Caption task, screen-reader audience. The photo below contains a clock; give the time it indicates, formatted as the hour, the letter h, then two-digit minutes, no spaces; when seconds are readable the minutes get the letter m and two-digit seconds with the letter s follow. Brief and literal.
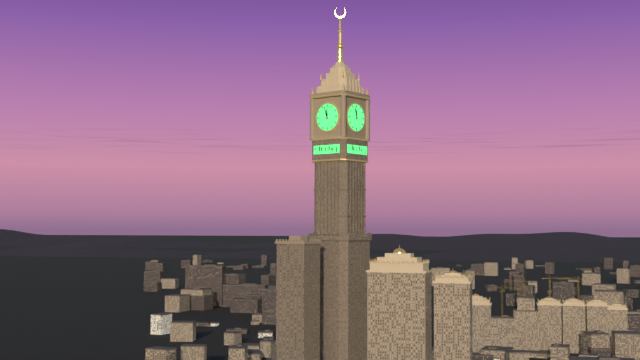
11h57
